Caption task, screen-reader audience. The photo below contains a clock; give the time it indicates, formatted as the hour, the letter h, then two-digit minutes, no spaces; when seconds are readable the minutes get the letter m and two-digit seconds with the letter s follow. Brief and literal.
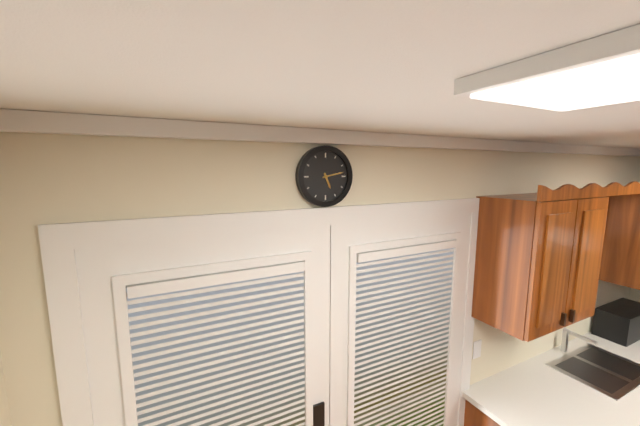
5h13
